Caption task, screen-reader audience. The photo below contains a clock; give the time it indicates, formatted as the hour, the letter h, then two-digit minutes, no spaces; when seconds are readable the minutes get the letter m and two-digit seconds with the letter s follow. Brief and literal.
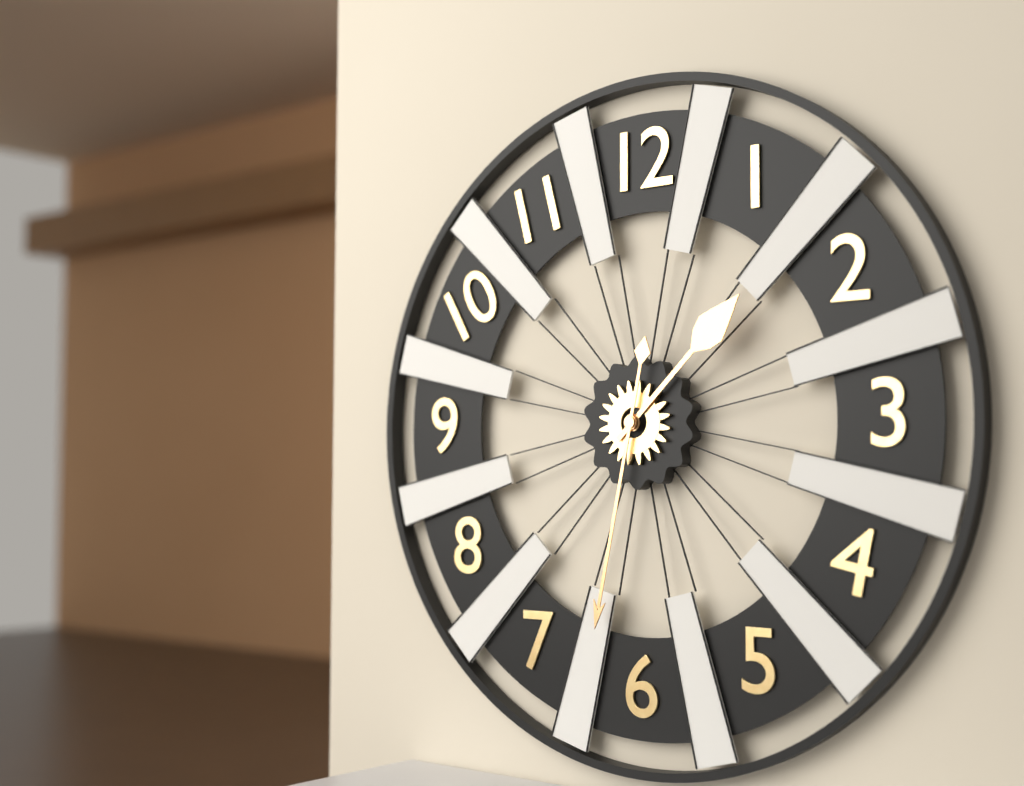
1h32
